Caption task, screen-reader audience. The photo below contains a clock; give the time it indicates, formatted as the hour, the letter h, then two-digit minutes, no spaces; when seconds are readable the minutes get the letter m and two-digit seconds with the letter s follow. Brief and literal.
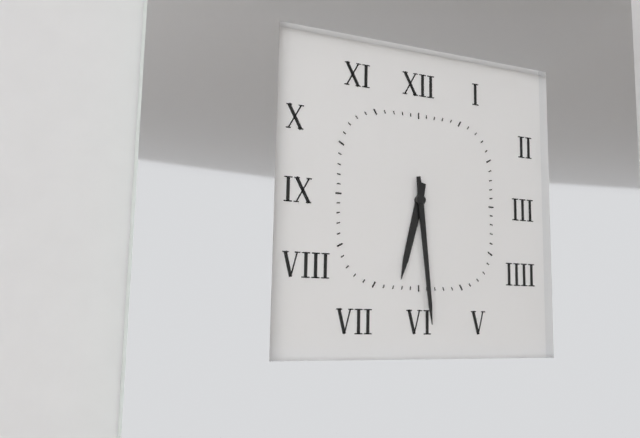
6h29
